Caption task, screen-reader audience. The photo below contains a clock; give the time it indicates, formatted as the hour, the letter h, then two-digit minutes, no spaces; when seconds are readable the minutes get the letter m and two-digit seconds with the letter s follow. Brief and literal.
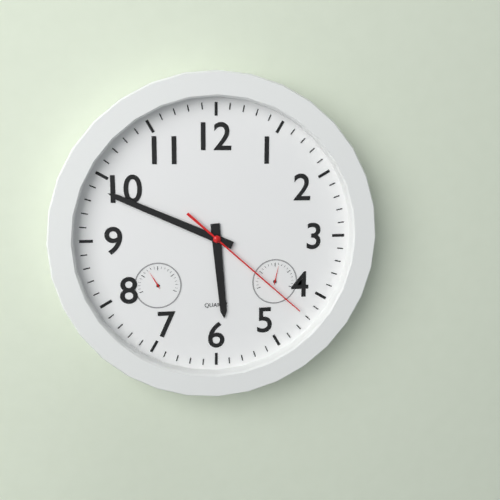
5h49m22s
